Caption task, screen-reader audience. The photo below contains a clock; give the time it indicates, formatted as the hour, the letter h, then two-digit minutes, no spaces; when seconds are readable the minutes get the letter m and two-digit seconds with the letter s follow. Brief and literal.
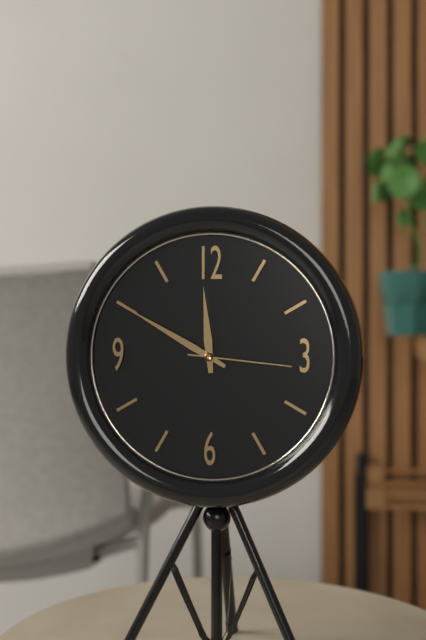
11h50m16s
